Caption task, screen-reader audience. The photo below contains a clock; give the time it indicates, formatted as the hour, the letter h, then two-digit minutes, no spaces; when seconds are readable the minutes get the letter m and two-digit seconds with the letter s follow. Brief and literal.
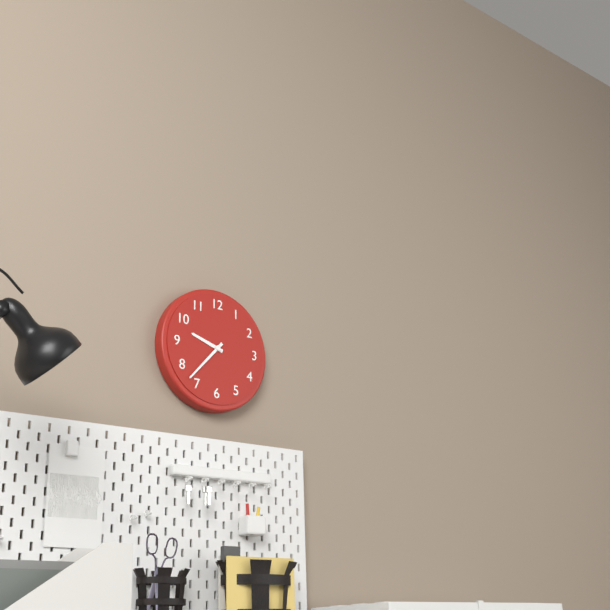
9h37
